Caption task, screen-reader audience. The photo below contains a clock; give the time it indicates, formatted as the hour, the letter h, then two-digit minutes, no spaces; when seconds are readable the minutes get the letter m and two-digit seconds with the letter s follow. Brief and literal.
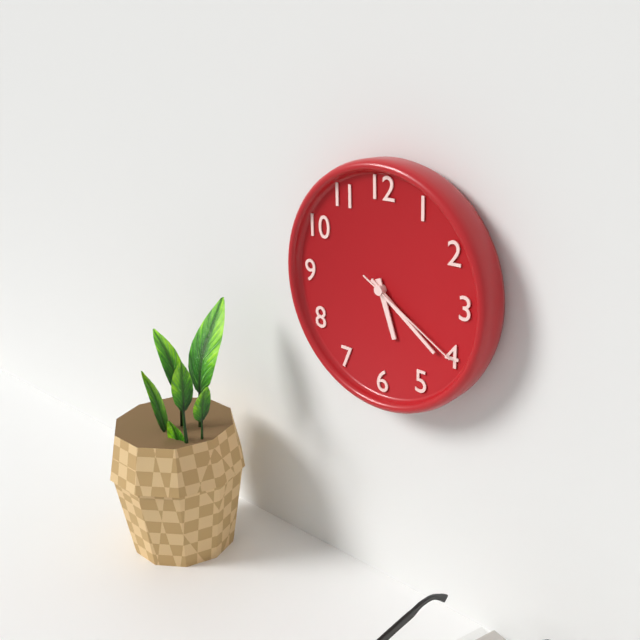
5h21m20s
